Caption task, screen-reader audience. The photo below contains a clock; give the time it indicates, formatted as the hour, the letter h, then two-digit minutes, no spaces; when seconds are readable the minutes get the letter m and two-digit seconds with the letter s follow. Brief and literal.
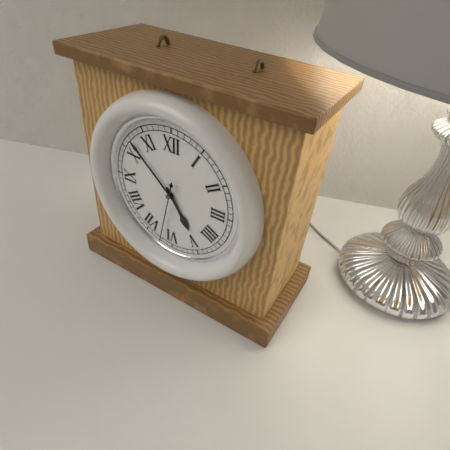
4h52m32s
